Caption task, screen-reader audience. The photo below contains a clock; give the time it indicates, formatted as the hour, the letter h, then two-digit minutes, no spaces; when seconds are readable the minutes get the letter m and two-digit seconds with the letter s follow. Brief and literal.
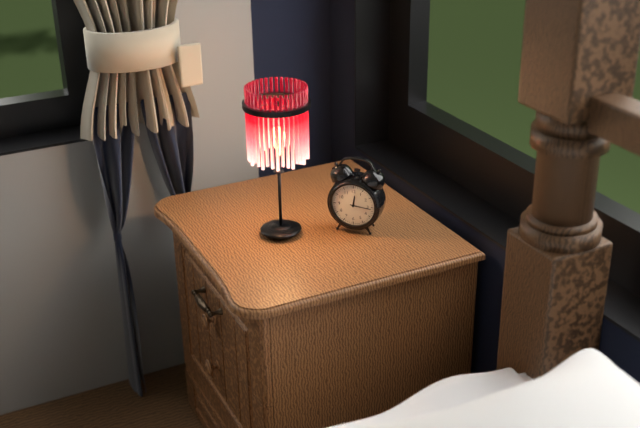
12h16
